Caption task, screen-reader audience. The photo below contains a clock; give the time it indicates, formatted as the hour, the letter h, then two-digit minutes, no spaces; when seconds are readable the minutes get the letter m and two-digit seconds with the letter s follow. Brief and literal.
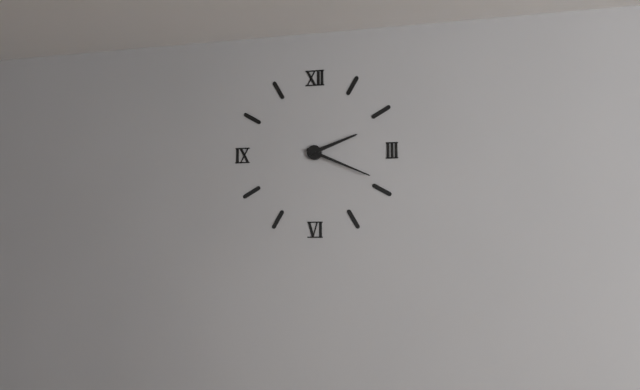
2h19
